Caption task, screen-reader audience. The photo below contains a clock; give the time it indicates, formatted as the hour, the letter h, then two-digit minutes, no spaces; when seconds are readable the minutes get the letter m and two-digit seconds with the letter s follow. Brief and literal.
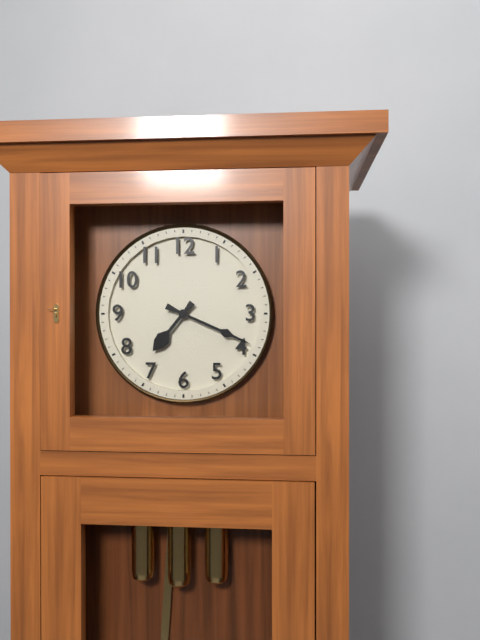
7h19
